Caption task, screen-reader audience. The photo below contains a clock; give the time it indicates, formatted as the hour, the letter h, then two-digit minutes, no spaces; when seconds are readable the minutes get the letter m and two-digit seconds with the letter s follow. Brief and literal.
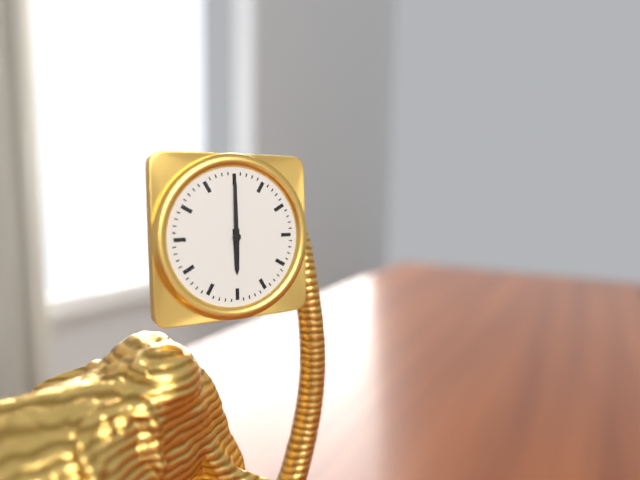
6h00
